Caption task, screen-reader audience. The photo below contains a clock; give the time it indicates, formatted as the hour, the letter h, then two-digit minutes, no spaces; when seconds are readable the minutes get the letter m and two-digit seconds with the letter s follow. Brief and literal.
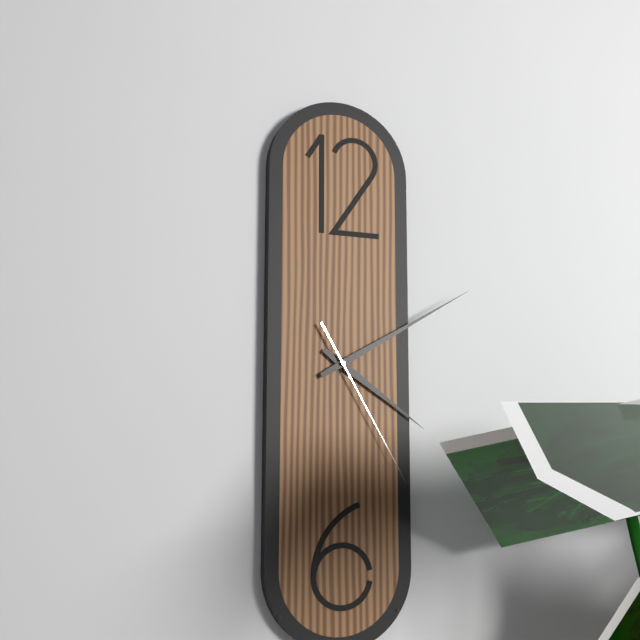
4h10m25s
